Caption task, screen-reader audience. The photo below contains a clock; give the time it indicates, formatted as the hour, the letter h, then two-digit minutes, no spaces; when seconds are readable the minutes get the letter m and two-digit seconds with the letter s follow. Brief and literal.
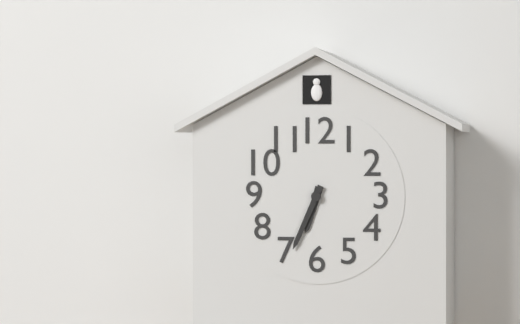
6h34
